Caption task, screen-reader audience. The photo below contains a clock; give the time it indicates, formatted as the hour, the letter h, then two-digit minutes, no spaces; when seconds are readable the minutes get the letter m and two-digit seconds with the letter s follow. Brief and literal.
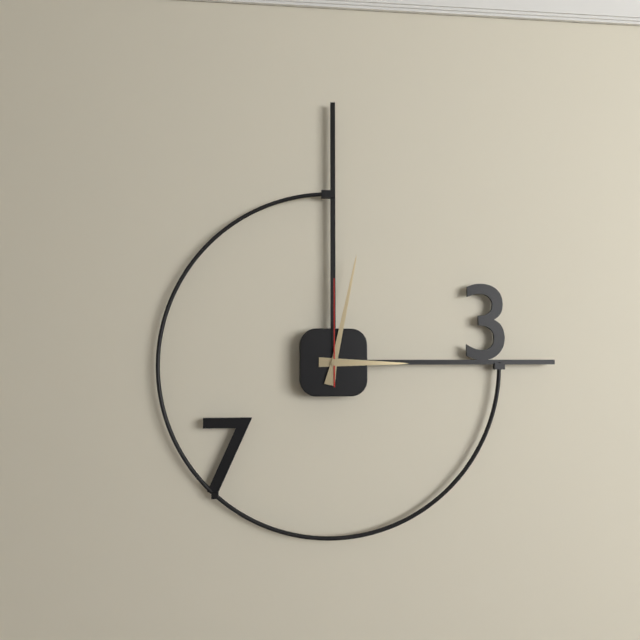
3h02m00s
